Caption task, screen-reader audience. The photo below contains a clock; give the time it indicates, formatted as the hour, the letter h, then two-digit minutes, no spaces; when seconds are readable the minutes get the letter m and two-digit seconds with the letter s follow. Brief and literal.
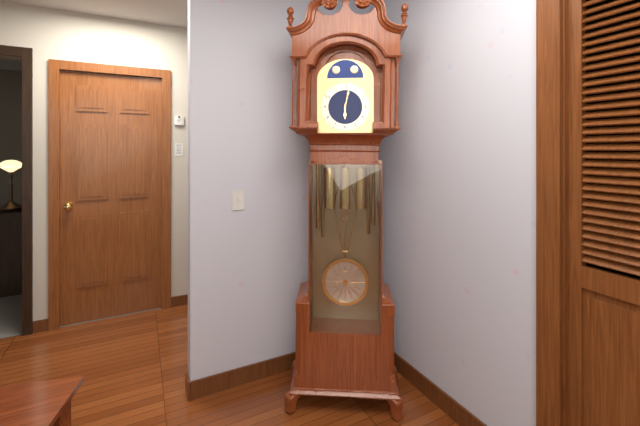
6h02
